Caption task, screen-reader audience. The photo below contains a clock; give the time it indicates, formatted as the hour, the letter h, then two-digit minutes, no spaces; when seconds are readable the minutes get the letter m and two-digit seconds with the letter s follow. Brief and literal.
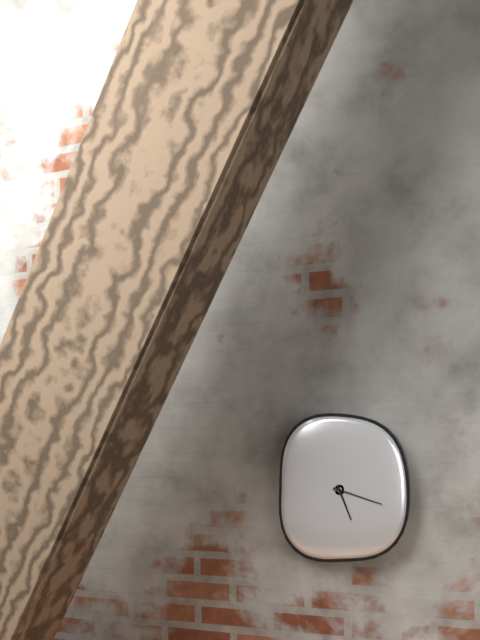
5h18
